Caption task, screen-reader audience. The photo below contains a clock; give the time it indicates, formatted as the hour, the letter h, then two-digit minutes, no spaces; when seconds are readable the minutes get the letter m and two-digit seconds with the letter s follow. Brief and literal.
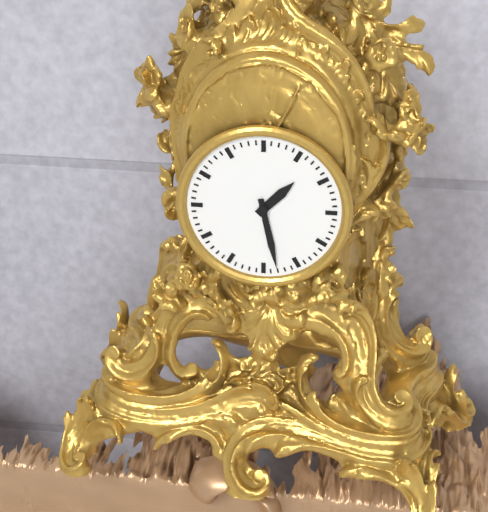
1h28
